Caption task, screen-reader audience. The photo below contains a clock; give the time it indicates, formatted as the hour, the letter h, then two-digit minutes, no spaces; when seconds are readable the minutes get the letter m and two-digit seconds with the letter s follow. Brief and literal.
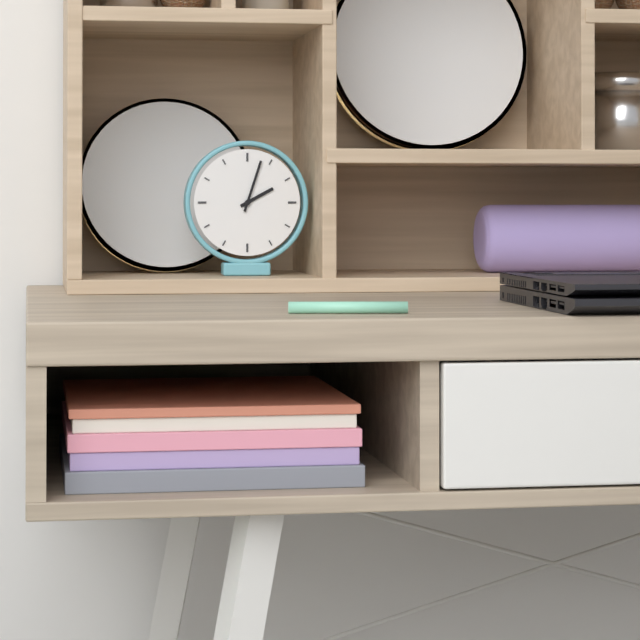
2h03
